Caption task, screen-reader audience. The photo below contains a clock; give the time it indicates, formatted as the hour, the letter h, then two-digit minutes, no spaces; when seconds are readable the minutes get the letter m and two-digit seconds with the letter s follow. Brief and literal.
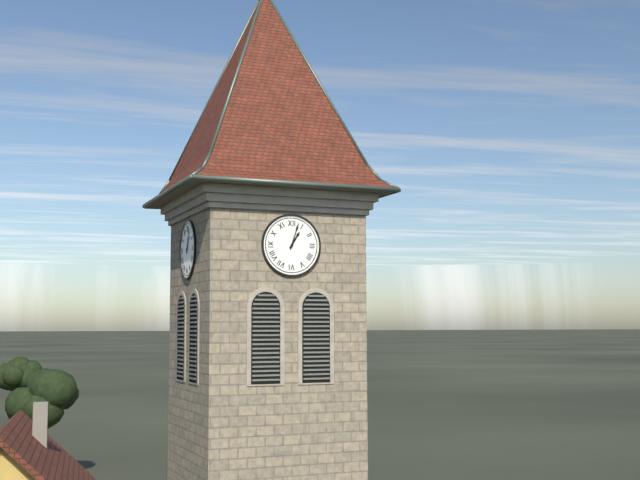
1h03
